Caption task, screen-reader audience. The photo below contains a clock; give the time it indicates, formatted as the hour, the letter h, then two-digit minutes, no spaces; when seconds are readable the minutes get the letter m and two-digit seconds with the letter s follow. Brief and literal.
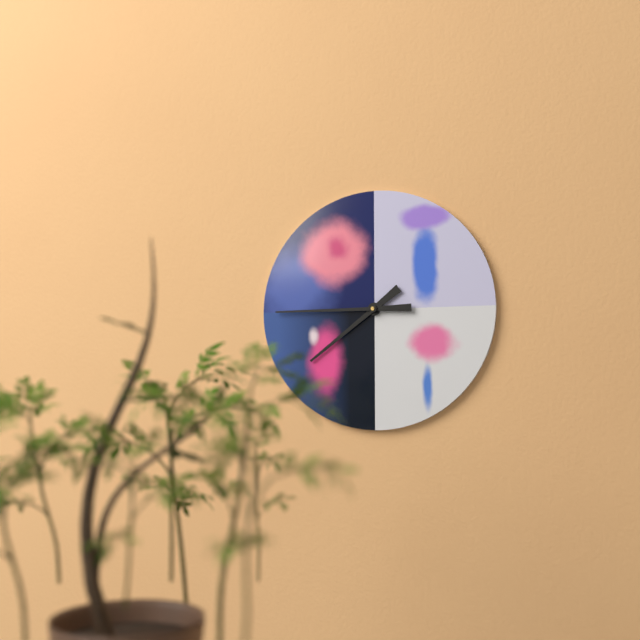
7h45
